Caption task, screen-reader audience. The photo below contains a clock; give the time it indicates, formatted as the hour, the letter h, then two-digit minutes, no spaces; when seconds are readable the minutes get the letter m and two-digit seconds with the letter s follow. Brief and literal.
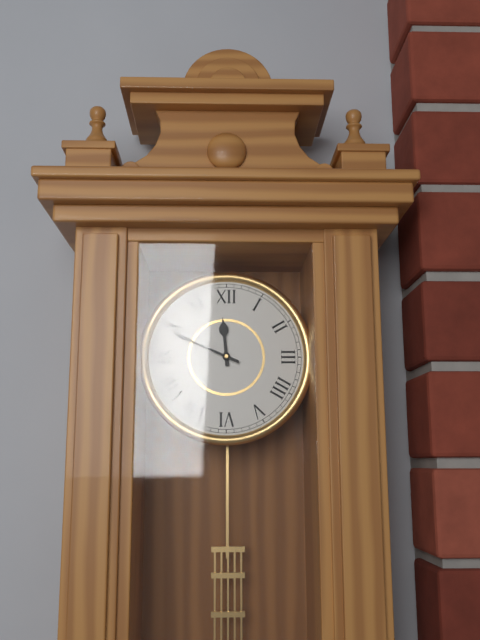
11h49
